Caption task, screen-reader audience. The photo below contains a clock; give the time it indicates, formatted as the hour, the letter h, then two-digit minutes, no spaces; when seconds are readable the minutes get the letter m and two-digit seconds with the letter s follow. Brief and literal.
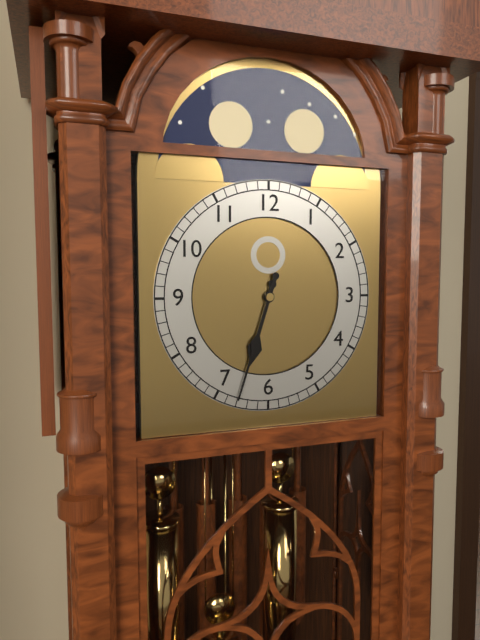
6h33
